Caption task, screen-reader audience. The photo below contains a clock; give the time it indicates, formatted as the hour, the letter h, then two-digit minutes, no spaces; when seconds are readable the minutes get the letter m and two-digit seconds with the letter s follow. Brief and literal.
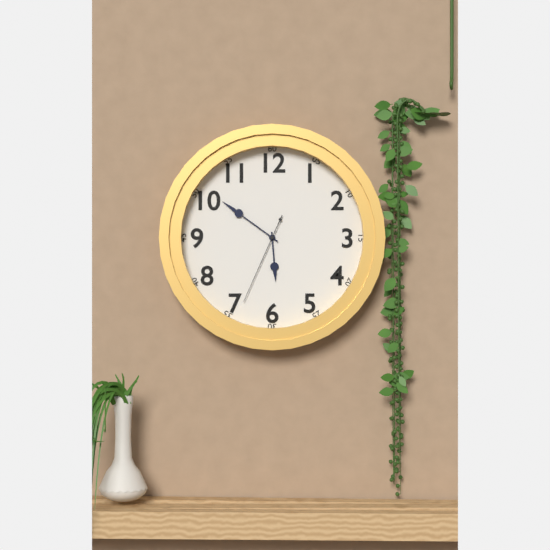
5h51m34s
